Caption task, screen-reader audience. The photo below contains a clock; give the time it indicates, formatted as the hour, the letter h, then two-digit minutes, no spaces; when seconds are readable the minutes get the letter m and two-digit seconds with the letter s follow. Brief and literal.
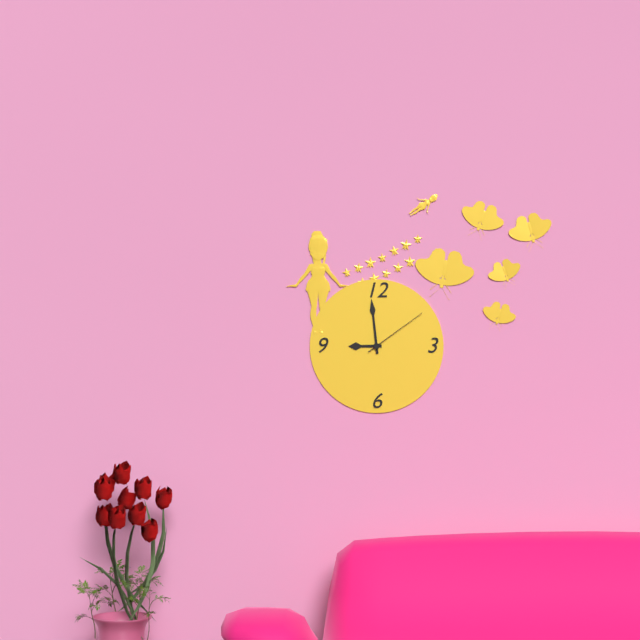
8h59m09s
